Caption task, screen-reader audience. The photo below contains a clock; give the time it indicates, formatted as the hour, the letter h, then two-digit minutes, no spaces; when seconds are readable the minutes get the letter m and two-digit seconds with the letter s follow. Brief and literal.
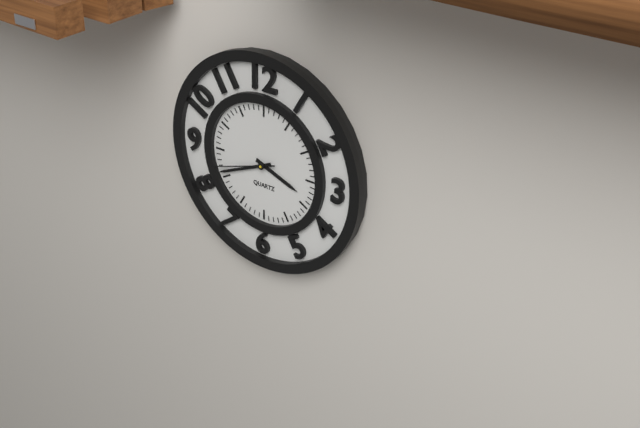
3h41m42s
